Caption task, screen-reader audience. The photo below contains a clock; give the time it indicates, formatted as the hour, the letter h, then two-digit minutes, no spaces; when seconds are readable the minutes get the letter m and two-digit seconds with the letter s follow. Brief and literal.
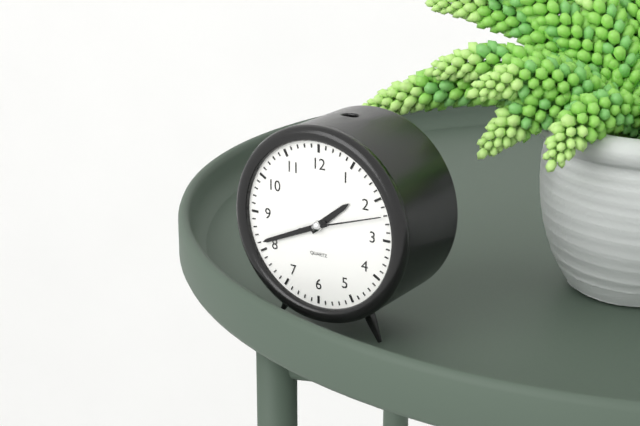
1h41m12s
